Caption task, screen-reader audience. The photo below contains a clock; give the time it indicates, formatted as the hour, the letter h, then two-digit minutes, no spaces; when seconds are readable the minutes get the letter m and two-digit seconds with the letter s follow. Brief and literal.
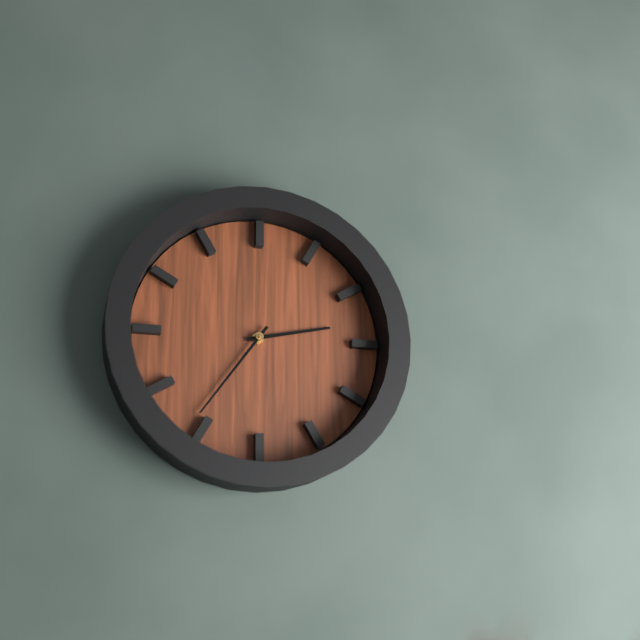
2h36
